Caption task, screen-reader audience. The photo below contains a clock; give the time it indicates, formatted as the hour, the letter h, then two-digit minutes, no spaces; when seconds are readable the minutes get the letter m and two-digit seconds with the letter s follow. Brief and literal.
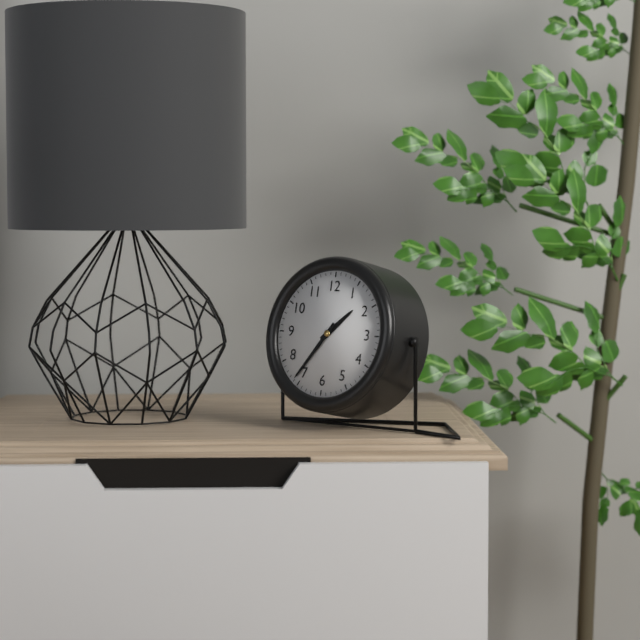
1h36
